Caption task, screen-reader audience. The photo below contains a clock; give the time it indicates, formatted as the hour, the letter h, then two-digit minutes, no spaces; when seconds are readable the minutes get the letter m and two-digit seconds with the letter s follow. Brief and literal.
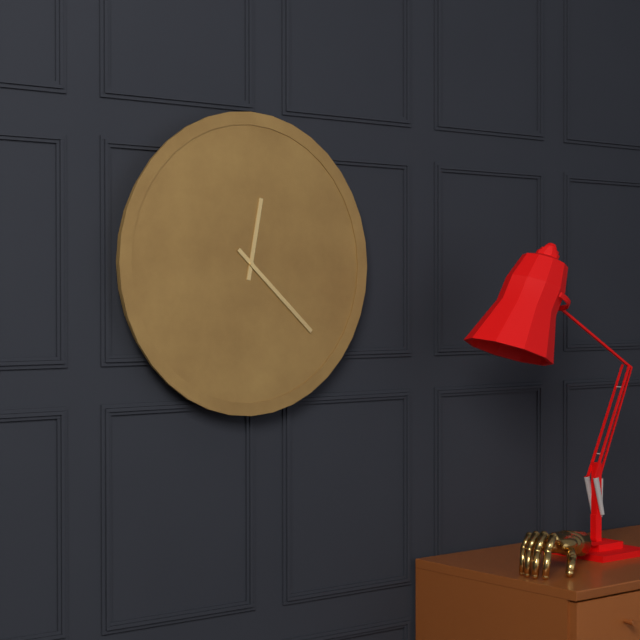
12h22
